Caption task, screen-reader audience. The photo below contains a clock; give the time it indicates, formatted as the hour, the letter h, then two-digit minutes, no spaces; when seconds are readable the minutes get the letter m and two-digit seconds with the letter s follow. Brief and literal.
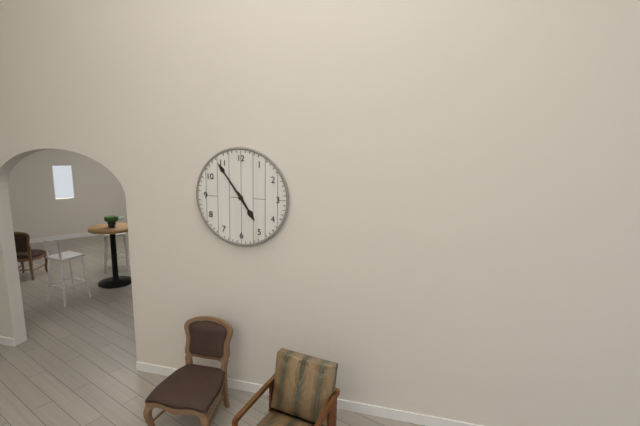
4h54
